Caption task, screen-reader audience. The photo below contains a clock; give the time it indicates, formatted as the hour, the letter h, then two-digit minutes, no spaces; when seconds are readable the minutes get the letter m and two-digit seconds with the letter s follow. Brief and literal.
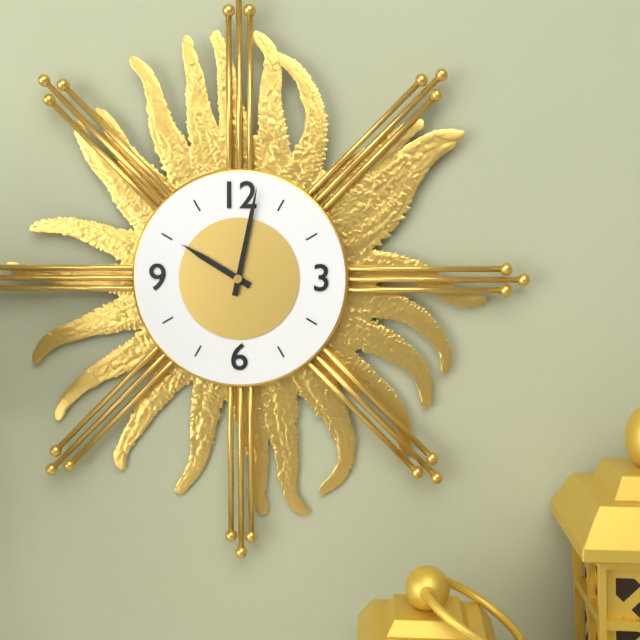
10h02
